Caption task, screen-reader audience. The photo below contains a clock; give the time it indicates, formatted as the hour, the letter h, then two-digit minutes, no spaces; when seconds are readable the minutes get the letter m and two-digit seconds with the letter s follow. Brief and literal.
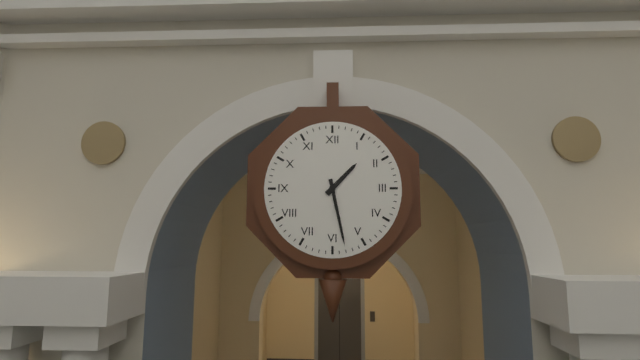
1h28
